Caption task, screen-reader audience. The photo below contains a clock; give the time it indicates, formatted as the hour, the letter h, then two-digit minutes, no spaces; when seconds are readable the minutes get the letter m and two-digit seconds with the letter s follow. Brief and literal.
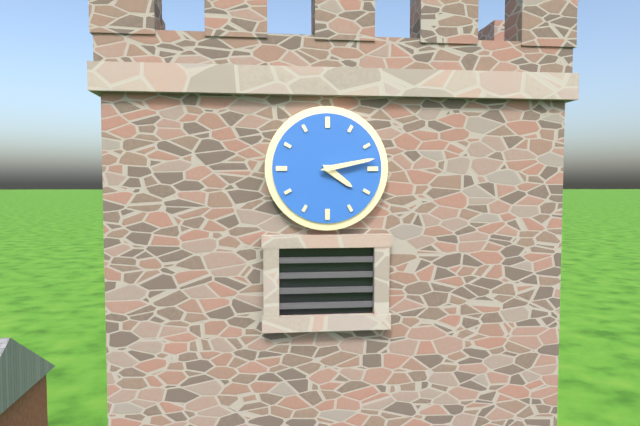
4h13
